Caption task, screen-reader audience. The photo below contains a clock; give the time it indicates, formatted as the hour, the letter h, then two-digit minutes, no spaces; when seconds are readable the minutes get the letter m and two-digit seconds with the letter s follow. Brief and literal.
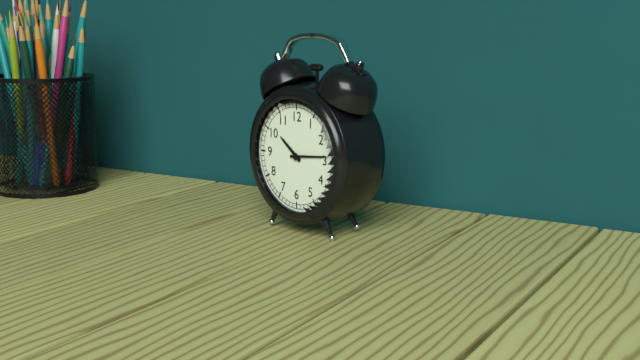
10h14
